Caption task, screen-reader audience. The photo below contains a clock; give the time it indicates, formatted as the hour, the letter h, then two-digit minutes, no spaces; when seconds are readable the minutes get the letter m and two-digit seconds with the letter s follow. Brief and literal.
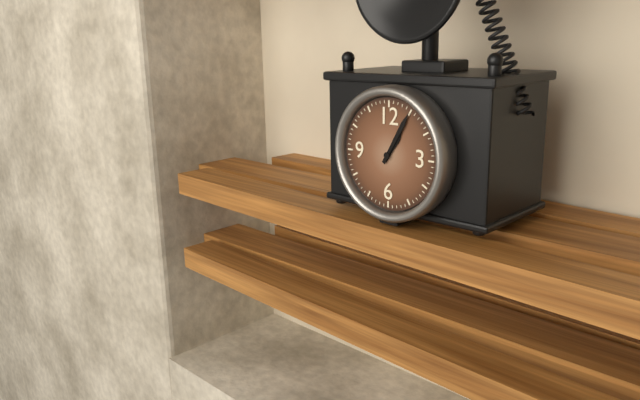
1h05
